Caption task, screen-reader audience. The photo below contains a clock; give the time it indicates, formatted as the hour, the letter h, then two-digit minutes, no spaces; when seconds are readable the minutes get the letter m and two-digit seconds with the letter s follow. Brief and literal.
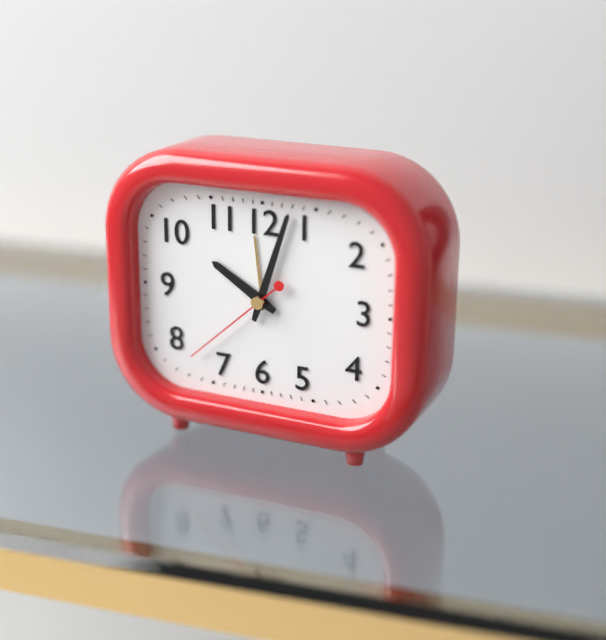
10h03m38s
